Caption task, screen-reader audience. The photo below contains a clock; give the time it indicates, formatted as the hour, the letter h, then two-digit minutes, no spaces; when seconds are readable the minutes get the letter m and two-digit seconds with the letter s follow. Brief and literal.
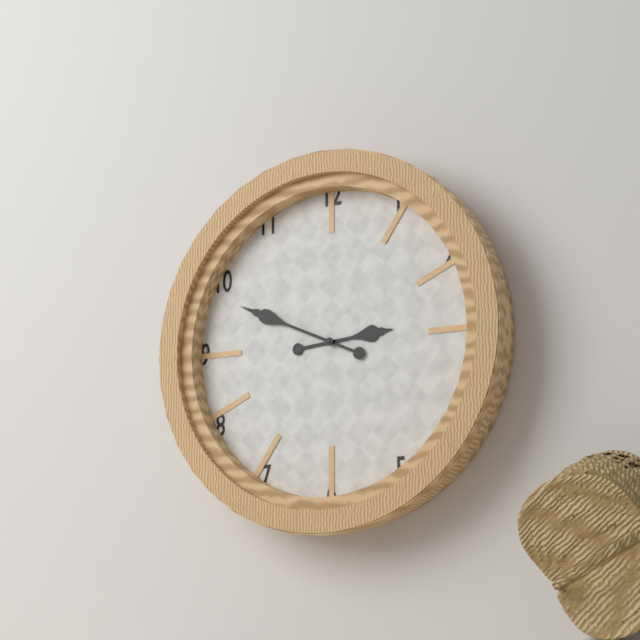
2h49
